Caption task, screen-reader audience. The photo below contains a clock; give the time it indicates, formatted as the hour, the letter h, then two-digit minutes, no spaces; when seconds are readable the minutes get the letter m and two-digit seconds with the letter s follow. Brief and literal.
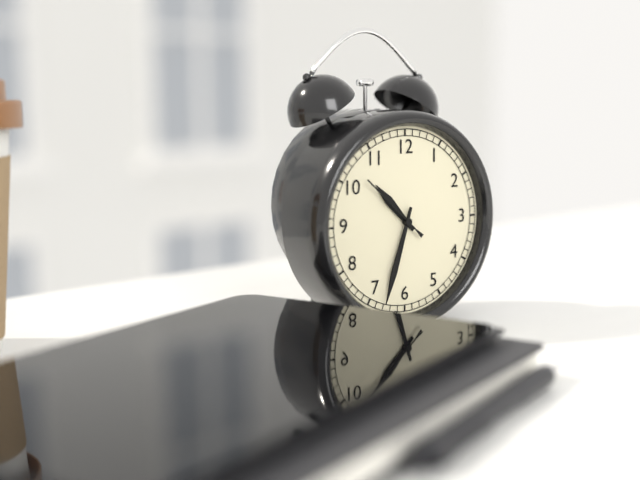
10h33m52s
